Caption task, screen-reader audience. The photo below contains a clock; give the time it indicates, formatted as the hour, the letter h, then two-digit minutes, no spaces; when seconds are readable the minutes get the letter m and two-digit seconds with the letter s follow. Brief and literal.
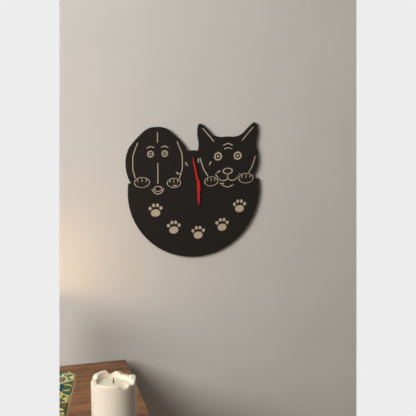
5h58
